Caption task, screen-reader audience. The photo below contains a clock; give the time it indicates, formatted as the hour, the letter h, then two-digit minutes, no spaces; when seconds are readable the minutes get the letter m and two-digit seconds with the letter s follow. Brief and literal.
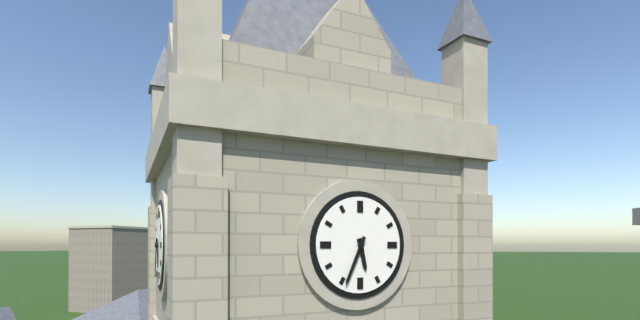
5h34
